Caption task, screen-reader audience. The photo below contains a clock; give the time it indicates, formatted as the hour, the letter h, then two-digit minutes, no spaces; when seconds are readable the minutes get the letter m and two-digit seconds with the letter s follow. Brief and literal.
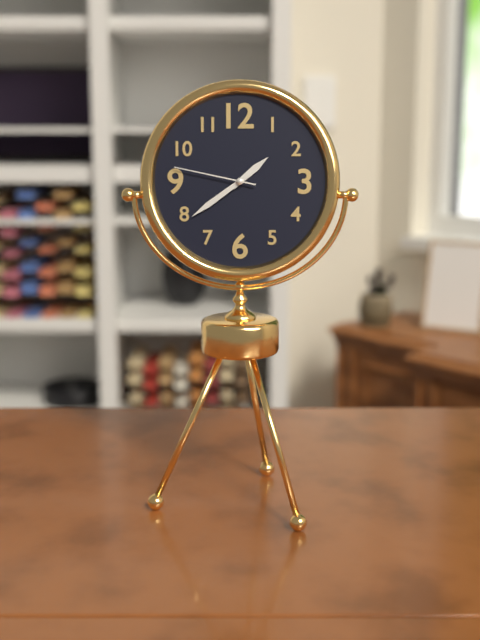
1h39m47s
